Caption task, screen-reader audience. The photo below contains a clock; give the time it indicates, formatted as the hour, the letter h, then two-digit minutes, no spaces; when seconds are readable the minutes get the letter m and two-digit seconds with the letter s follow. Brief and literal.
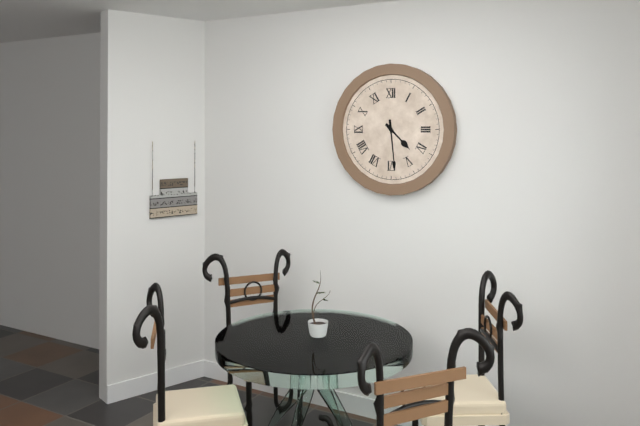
4h29
